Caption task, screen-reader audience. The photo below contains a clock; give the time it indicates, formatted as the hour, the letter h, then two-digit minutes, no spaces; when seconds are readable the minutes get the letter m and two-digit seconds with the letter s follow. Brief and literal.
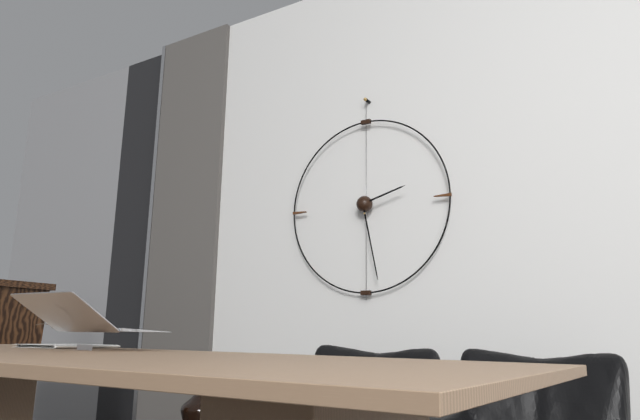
2h28
